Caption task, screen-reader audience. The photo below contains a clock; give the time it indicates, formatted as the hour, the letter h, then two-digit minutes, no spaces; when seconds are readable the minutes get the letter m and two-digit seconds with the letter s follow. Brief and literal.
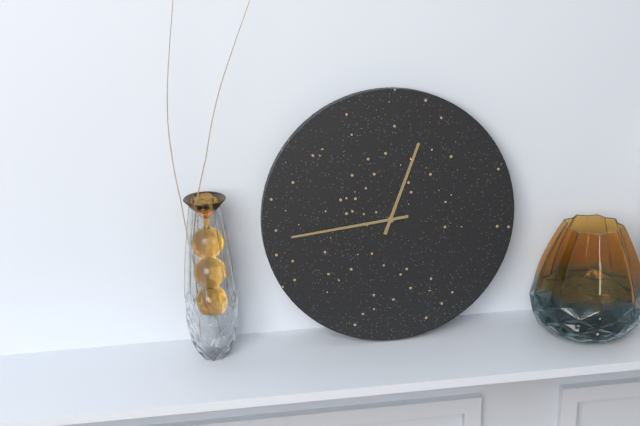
12h44
